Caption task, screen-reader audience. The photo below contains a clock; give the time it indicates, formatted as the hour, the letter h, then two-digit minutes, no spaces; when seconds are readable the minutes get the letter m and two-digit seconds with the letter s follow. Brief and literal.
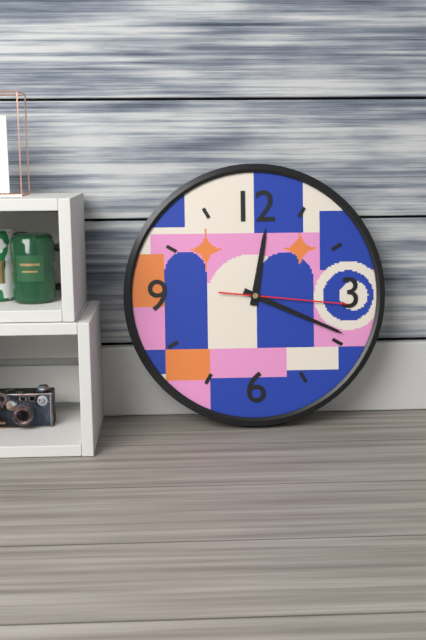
12h19m16s
